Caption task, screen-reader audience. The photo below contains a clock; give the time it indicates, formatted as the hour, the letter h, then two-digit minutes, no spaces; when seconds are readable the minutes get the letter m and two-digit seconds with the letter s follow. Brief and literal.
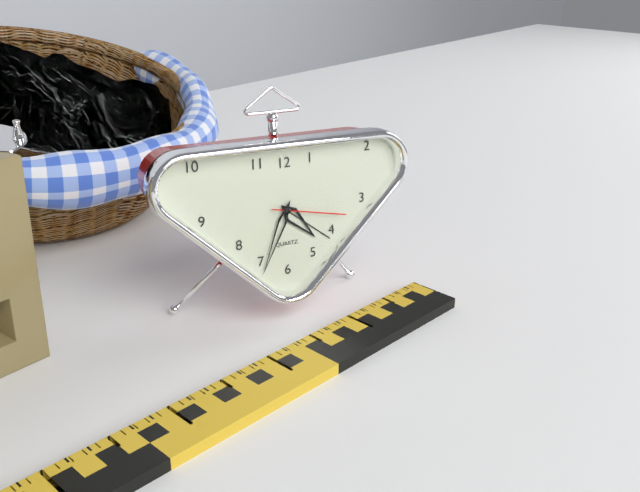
4h34m17s
